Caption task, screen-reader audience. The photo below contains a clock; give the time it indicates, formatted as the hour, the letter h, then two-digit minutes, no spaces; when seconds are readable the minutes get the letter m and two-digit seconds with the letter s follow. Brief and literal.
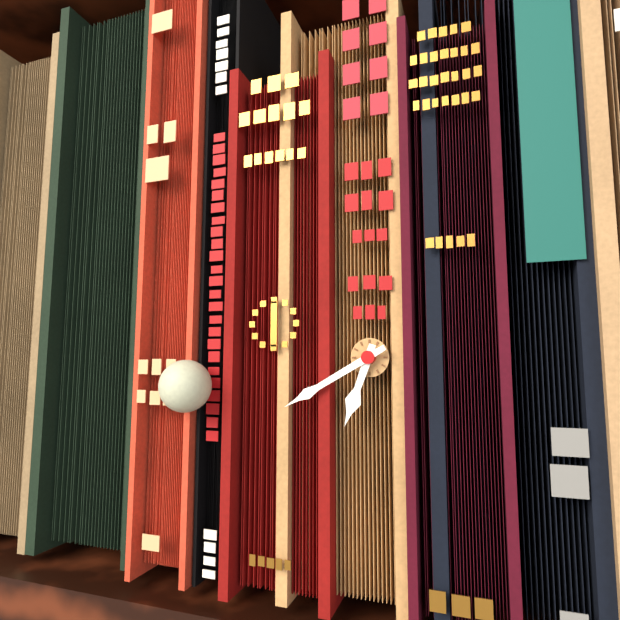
6h40
